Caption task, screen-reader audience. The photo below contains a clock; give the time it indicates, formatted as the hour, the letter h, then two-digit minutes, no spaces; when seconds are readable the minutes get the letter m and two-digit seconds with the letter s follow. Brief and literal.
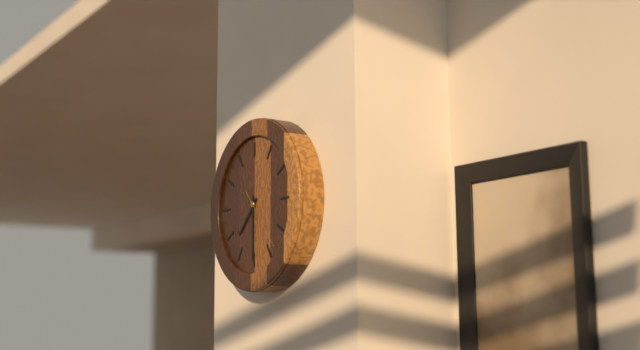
7h30m23s
